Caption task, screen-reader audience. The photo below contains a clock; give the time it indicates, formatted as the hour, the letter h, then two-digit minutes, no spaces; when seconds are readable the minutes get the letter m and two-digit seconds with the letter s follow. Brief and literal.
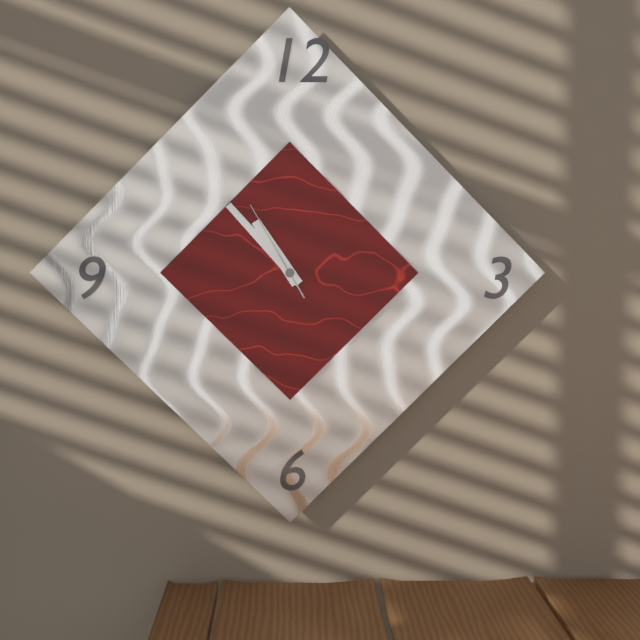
10h53m55s
